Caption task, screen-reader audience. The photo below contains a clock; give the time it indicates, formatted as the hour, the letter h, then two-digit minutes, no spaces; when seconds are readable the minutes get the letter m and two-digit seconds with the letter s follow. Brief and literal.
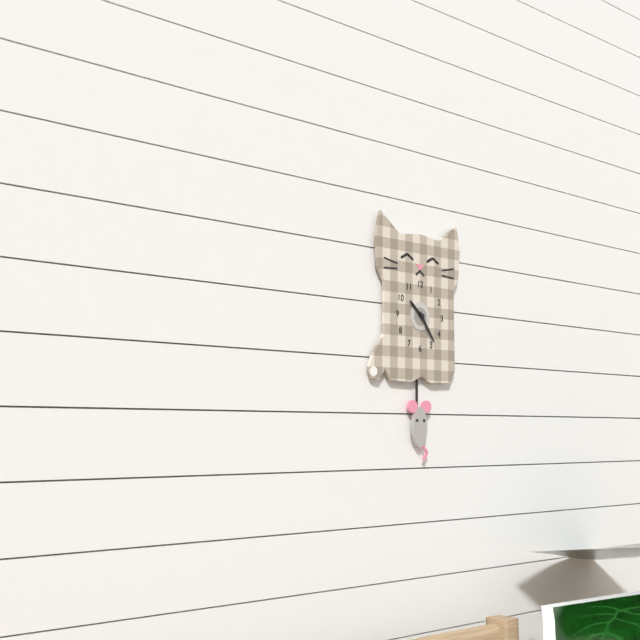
10h24
